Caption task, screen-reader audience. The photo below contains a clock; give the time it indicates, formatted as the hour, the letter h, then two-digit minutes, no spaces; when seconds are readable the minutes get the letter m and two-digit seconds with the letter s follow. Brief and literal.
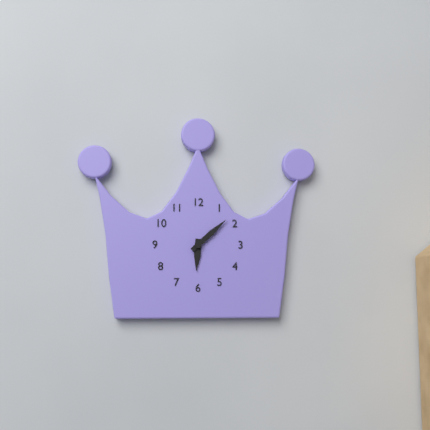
6h08
